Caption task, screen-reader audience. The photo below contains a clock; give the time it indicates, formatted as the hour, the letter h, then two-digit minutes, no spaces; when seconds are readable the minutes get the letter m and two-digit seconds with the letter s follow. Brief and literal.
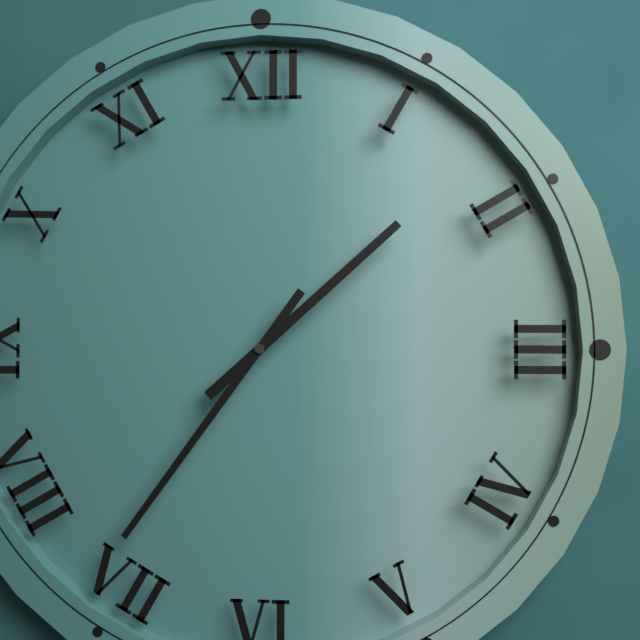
1h36
